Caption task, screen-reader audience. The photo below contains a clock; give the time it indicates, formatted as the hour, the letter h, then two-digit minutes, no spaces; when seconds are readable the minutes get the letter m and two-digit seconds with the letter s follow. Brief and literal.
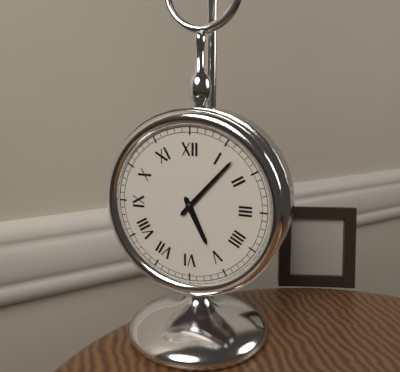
5h07
